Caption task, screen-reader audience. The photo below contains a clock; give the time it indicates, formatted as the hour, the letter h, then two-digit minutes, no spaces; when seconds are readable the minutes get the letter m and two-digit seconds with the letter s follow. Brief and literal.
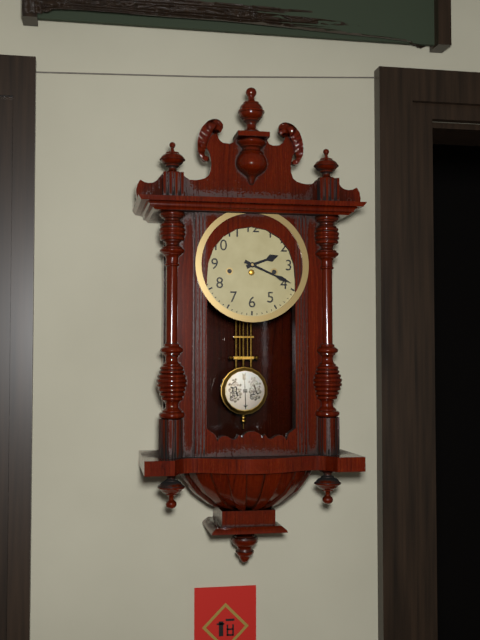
2h19
